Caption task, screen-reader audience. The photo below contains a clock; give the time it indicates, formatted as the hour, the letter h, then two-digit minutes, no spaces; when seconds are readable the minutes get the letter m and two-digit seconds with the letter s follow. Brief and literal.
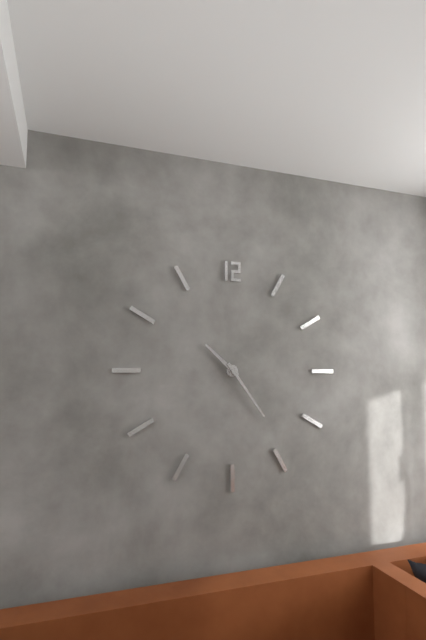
10h24
